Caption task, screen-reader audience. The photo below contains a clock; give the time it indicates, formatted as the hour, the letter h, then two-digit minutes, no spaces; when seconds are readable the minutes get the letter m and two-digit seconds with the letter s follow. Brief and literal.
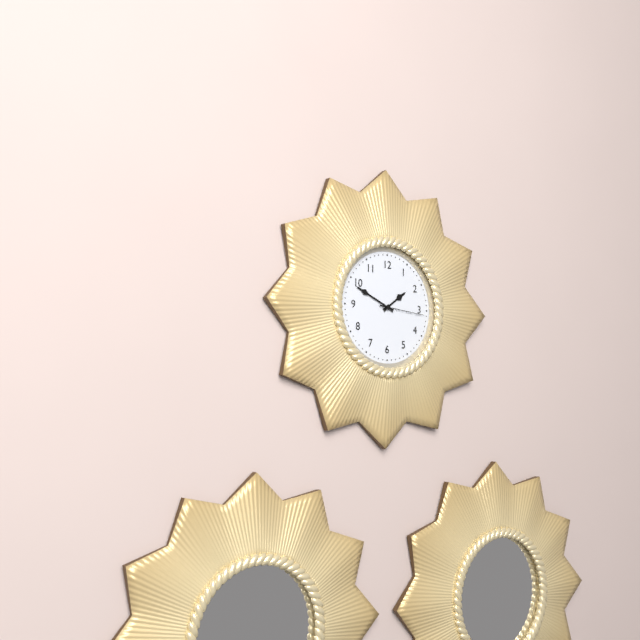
1h49
